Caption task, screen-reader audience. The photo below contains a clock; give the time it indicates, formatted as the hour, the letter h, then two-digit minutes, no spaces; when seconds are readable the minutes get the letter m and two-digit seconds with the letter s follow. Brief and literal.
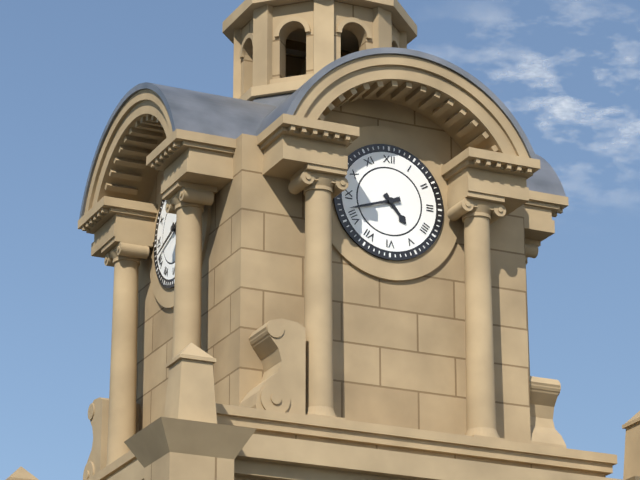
4h42
